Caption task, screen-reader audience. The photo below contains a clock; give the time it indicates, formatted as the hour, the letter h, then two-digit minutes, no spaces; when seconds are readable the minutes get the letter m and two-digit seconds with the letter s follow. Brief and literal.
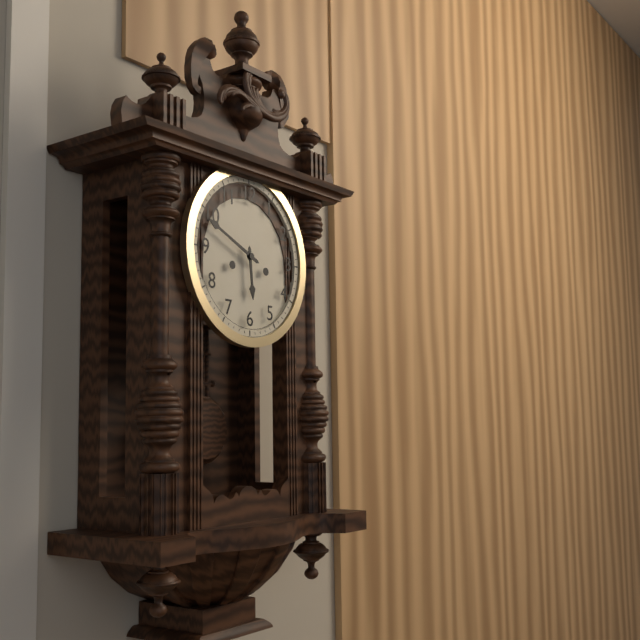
5h49
